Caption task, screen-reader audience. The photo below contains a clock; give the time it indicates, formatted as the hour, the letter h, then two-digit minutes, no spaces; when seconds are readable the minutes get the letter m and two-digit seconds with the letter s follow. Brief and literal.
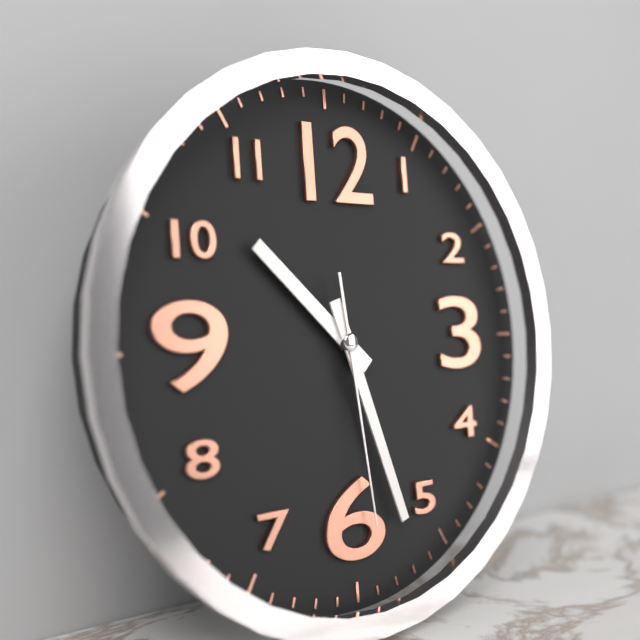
10h27m29s
